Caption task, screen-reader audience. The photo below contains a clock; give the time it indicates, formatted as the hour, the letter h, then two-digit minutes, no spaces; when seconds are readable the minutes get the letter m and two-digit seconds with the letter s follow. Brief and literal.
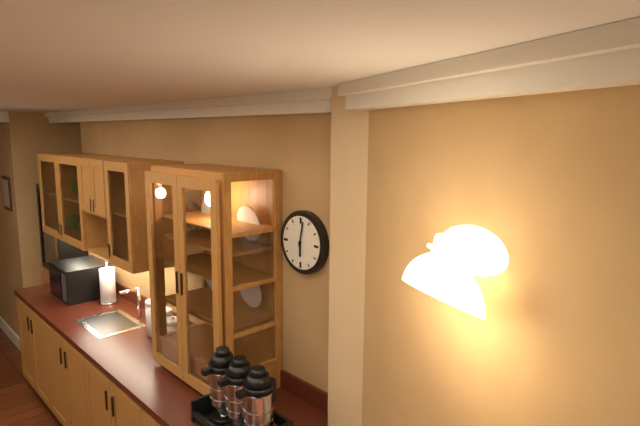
6h02
